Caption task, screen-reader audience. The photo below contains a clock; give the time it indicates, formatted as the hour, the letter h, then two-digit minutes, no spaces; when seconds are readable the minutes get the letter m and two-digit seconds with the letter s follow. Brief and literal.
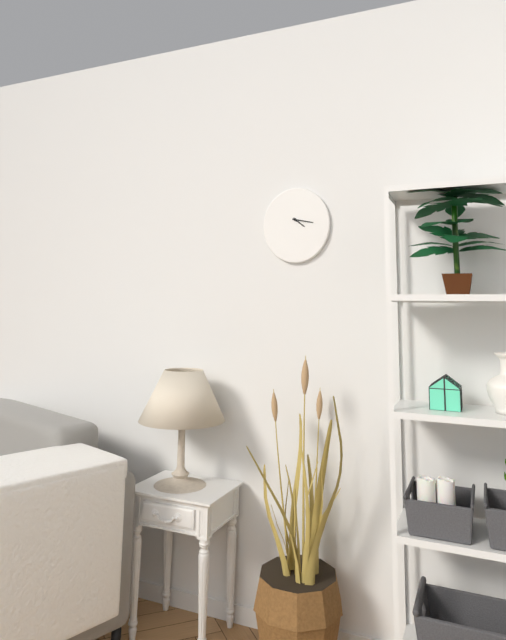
4h17
